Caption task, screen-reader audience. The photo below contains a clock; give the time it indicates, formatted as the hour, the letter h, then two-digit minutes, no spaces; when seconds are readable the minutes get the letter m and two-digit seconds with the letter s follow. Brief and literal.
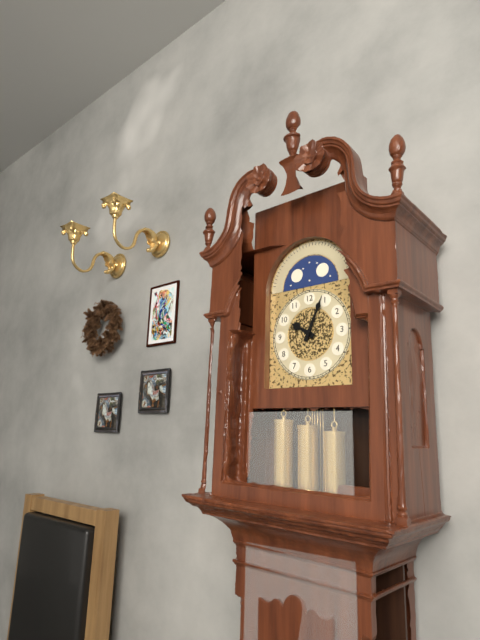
10h04
